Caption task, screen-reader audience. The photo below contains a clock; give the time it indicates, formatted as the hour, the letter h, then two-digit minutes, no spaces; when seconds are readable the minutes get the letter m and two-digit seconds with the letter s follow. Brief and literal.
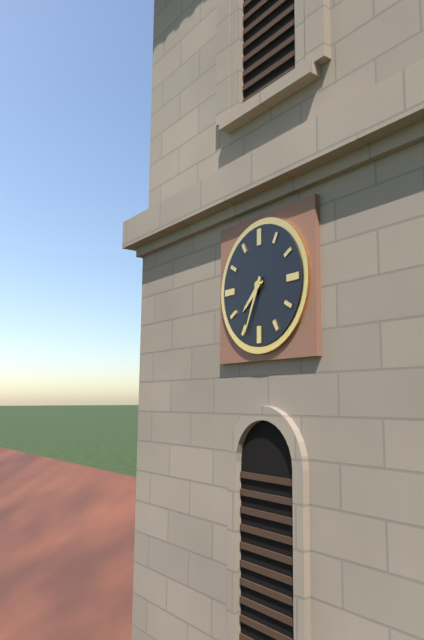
7h34
